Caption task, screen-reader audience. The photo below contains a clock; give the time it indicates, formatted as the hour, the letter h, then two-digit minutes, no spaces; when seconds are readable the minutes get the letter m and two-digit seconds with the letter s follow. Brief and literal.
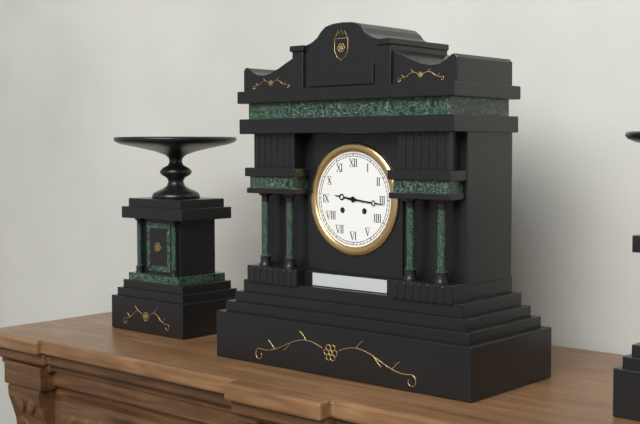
9h16
